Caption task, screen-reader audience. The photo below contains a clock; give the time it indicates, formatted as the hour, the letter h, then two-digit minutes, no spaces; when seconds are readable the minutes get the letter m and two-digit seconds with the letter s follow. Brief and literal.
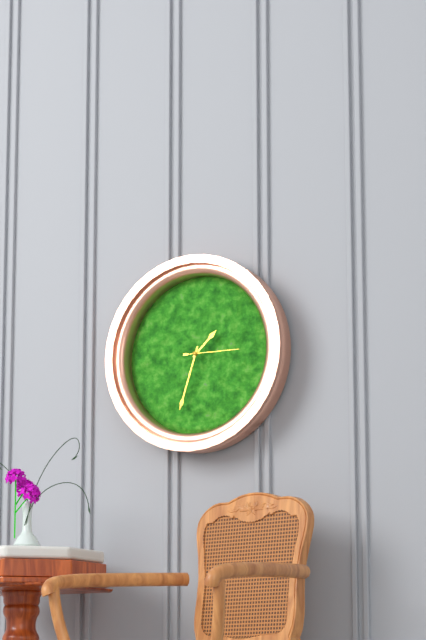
1h33
